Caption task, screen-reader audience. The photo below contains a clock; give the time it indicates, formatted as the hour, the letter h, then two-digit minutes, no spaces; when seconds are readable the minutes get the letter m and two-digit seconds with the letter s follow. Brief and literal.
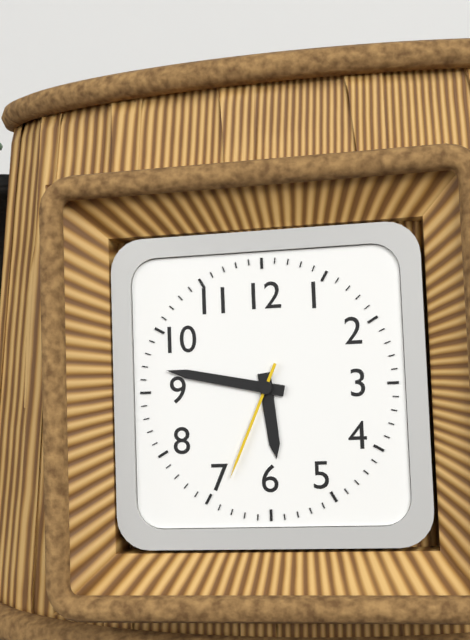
5h47m34s
